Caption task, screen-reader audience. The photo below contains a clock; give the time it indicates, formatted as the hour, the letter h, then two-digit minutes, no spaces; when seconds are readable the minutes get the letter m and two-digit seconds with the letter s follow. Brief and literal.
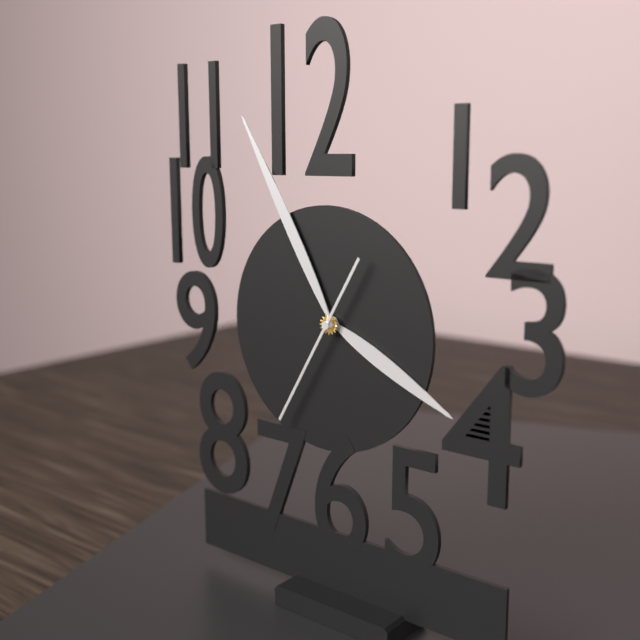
3h55m35s
